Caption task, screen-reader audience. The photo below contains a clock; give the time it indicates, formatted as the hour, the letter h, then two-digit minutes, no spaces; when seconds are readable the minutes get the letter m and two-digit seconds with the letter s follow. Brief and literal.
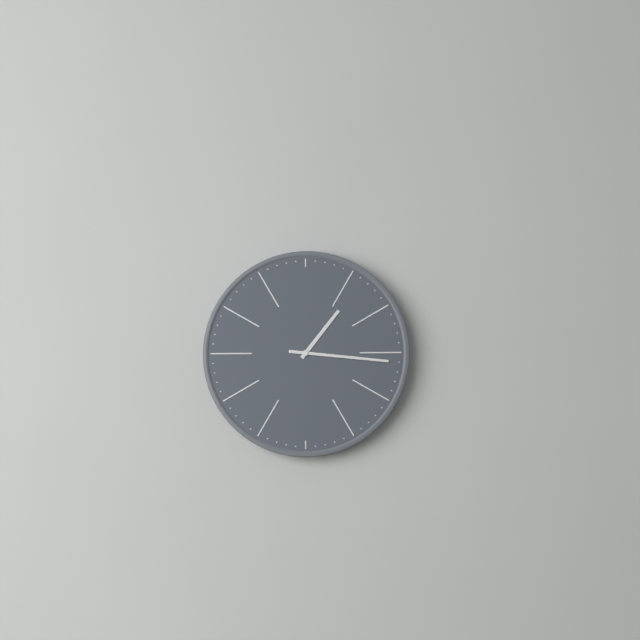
1h16
